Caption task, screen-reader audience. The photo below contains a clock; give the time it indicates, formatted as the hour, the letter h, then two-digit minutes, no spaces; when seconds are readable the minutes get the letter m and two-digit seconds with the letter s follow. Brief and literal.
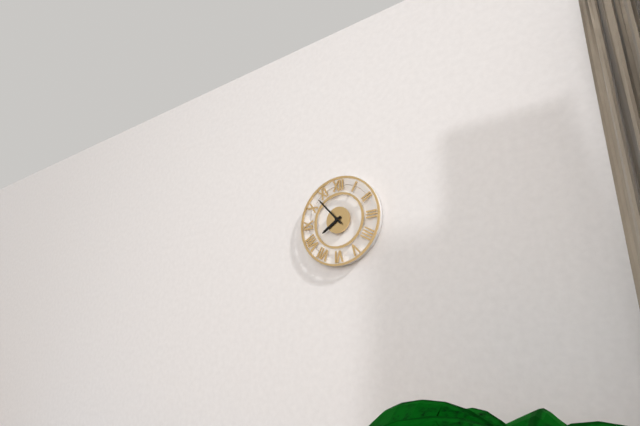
7h53
